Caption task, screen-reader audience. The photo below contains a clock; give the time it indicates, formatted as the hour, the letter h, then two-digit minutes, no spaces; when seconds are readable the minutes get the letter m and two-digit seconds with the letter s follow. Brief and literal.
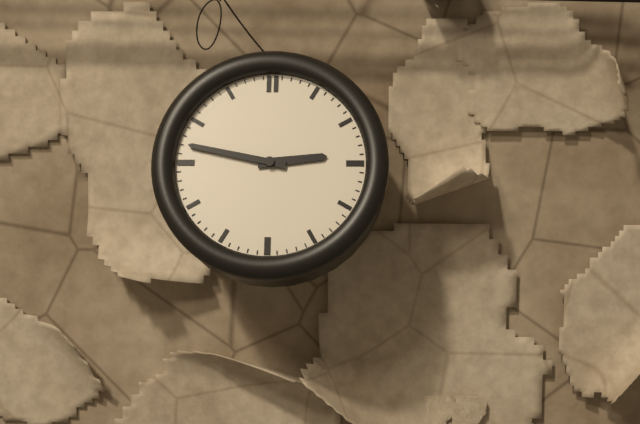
2h47
